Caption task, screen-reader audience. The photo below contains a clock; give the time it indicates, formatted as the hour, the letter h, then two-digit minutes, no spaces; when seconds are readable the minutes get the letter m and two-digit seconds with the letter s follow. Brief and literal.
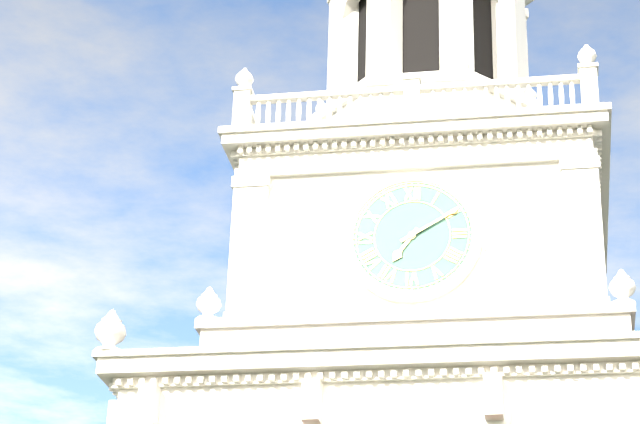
7h10
